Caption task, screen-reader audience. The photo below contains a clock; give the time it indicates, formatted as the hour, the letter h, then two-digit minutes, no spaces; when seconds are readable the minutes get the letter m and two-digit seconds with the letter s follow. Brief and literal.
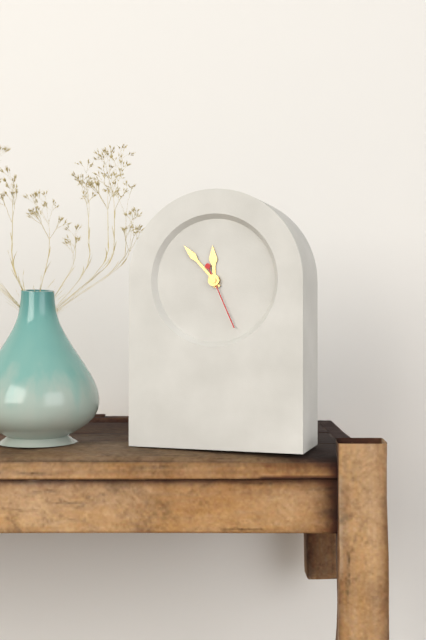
11h53m26s
